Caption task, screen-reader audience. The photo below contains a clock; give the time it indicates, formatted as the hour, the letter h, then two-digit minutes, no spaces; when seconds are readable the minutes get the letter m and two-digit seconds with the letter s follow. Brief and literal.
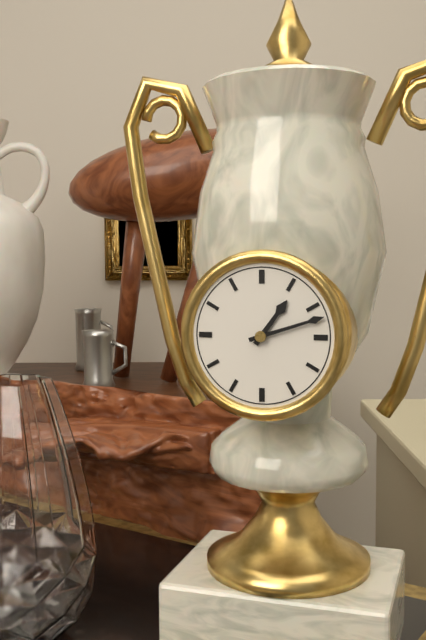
1h12
